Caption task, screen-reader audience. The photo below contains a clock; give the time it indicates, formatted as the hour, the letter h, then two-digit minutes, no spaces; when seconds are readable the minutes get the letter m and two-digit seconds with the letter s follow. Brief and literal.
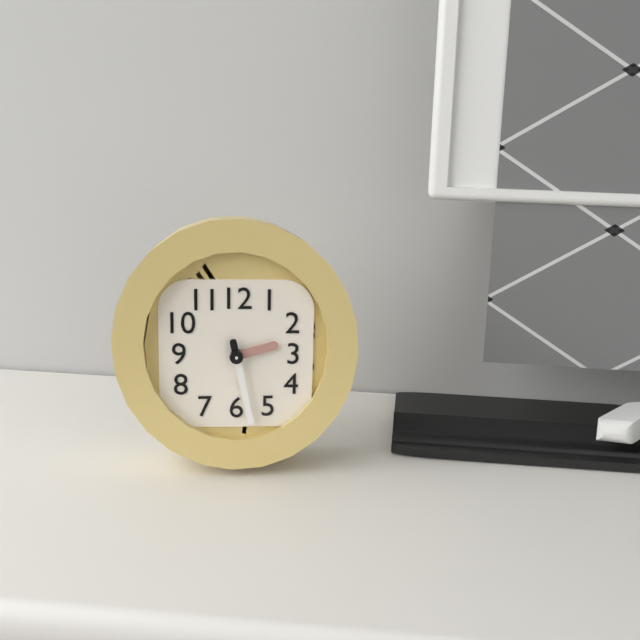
2h28
